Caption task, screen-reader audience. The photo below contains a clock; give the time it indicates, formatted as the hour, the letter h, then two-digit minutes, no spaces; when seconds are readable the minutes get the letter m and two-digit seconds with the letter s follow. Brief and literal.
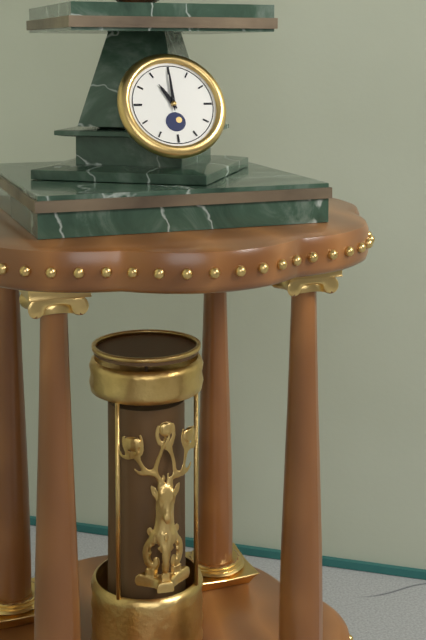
11h00
